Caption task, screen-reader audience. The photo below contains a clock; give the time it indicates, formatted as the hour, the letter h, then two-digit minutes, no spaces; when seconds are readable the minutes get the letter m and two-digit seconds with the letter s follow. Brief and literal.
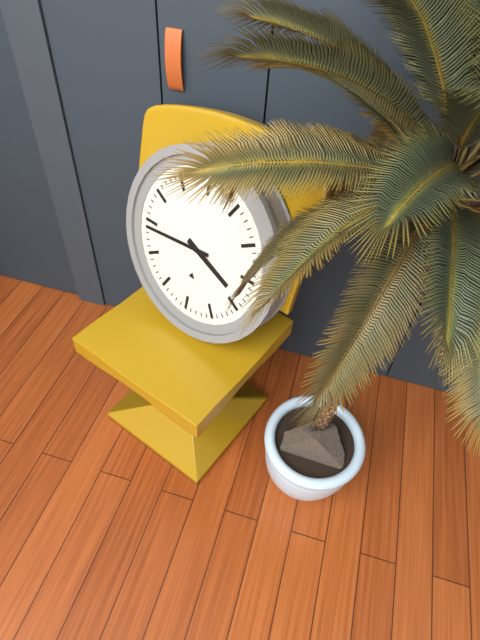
3h44
